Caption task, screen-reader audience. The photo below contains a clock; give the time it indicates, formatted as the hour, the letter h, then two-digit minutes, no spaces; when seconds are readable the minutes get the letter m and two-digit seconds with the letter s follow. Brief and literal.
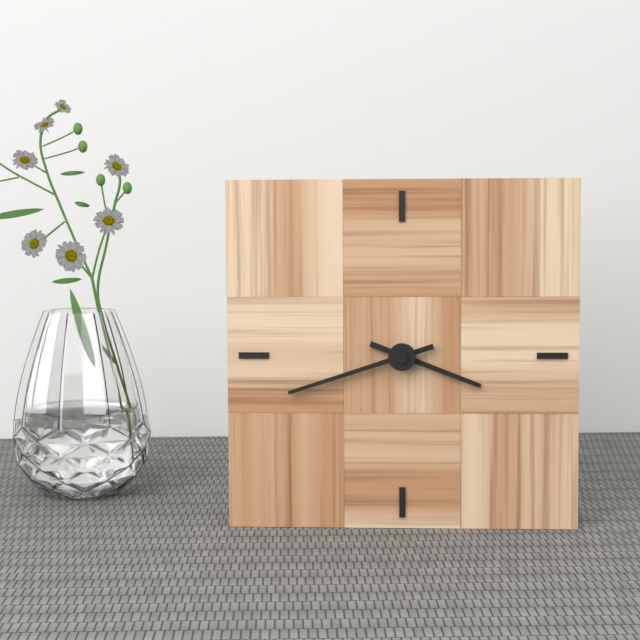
3h42
